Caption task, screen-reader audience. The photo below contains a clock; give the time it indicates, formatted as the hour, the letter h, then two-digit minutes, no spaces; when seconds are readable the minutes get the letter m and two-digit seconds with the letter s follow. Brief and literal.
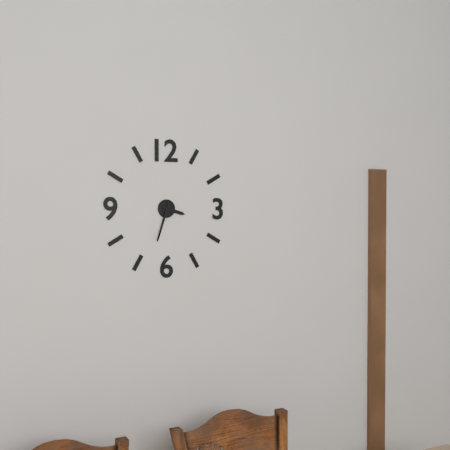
3h33
